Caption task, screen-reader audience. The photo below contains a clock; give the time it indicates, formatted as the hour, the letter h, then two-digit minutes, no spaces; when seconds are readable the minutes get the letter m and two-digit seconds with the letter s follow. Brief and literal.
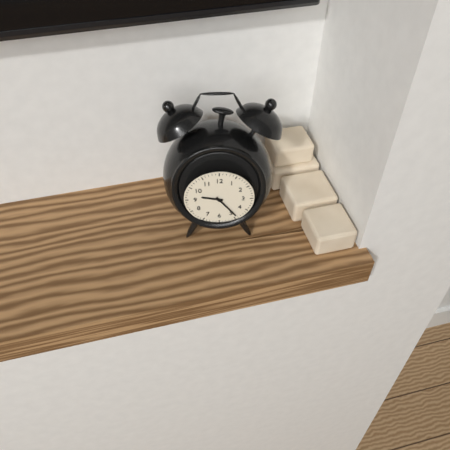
9h24
